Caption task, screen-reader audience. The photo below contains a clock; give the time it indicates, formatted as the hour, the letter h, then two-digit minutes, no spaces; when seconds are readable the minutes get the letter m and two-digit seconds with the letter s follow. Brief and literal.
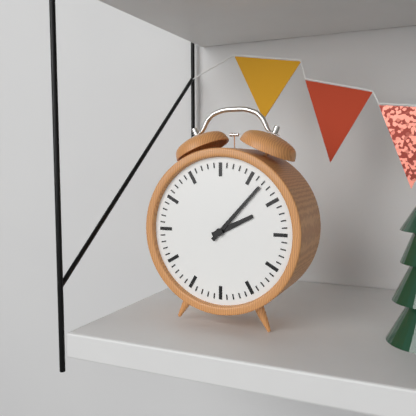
2h07
